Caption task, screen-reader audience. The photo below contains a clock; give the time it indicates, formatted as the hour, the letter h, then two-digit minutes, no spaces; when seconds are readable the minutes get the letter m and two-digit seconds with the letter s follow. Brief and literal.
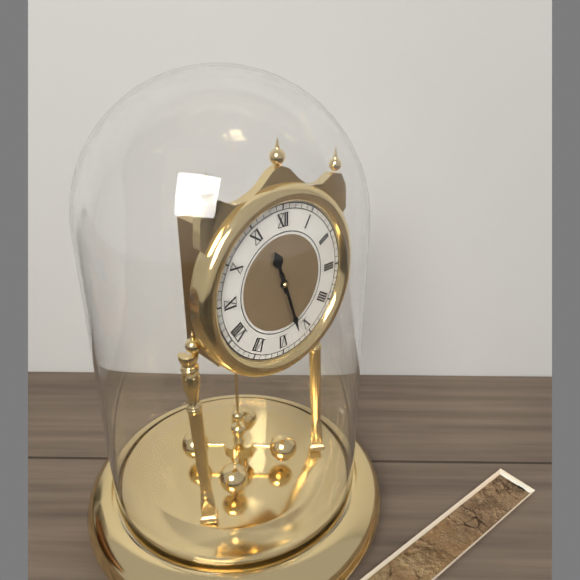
11h27
